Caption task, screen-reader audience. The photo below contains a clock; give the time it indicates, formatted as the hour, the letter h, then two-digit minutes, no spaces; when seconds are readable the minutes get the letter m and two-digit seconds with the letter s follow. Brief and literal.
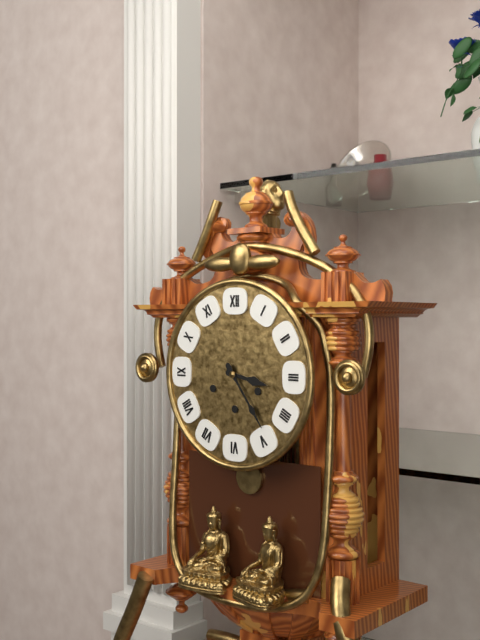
3h24
